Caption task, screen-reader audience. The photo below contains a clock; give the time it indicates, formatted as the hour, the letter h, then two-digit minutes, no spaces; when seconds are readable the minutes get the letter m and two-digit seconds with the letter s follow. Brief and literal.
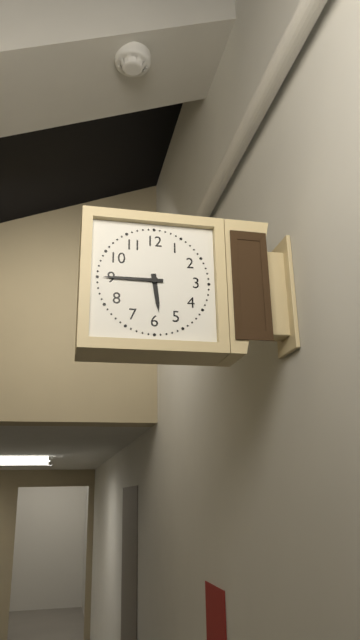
5h45
